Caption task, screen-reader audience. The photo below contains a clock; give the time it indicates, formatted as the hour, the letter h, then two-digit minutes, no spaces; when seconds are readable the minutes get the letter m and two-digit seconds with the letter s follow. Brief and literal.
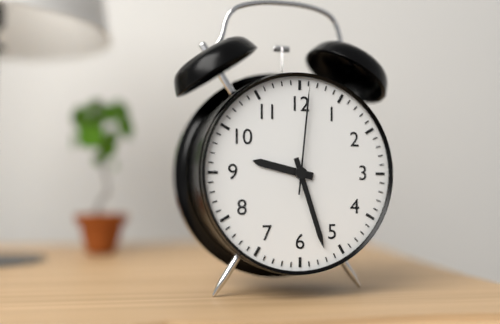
9h27m01s
